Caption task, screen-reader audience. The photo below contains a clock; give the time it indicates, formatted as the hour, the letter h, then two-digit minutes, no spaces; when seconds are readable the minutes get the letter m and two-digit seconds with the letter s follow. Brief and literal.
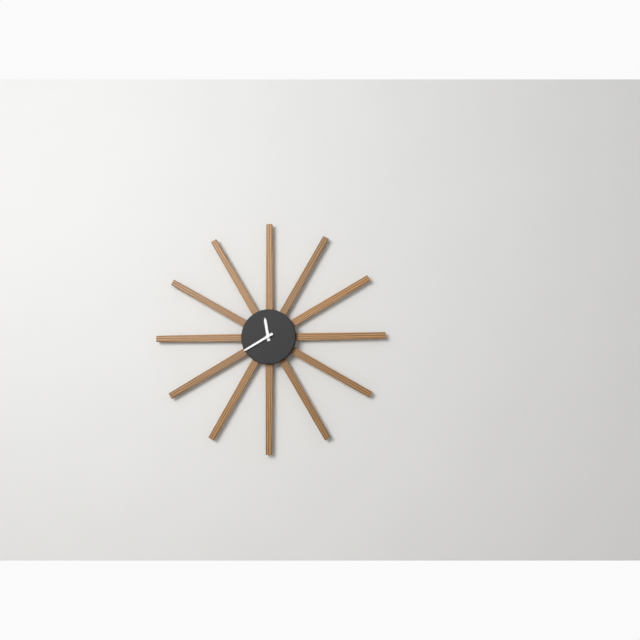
11h40
